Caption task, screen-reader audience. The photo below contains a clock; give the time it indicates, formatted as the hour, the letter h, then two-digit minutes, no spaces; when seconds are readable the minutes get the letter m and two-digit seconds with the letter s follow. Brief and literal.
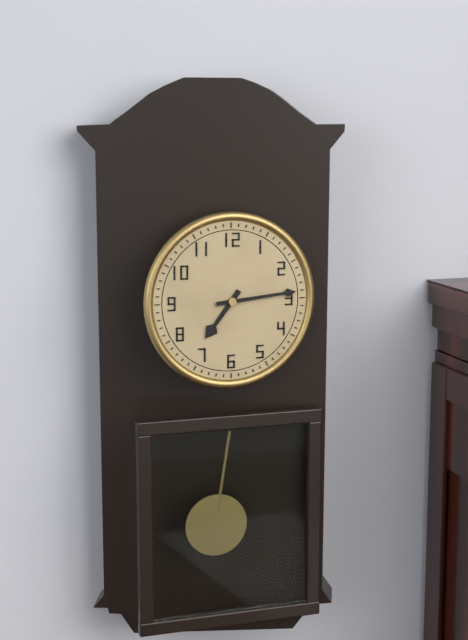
7h14
